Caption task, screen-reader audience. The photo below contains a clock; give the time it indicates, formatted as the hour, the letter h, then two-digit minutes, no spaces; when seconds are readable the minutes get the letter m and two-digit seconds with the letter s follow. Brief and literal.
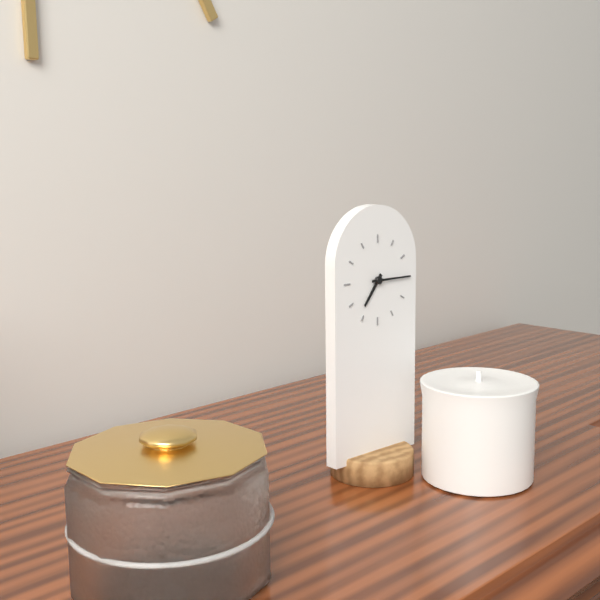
7h15
